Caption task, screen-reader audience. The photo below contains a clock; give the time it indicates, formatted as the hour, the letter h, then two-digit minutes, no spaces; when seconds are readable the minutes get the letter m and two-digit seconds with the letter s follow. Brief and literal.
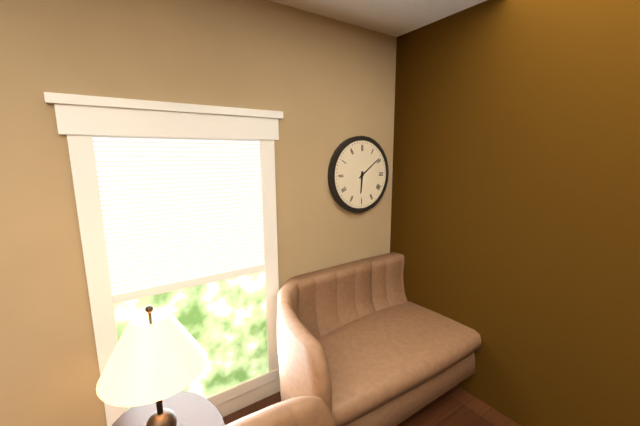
6h09
